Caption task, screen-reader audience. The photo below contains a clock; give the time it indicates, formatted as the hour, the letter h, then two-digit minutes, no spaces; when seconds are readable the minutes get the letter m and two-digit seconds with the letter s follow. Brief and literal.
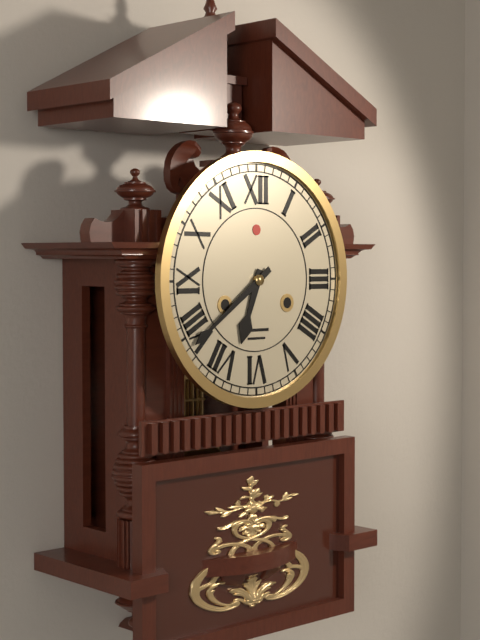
6h39
